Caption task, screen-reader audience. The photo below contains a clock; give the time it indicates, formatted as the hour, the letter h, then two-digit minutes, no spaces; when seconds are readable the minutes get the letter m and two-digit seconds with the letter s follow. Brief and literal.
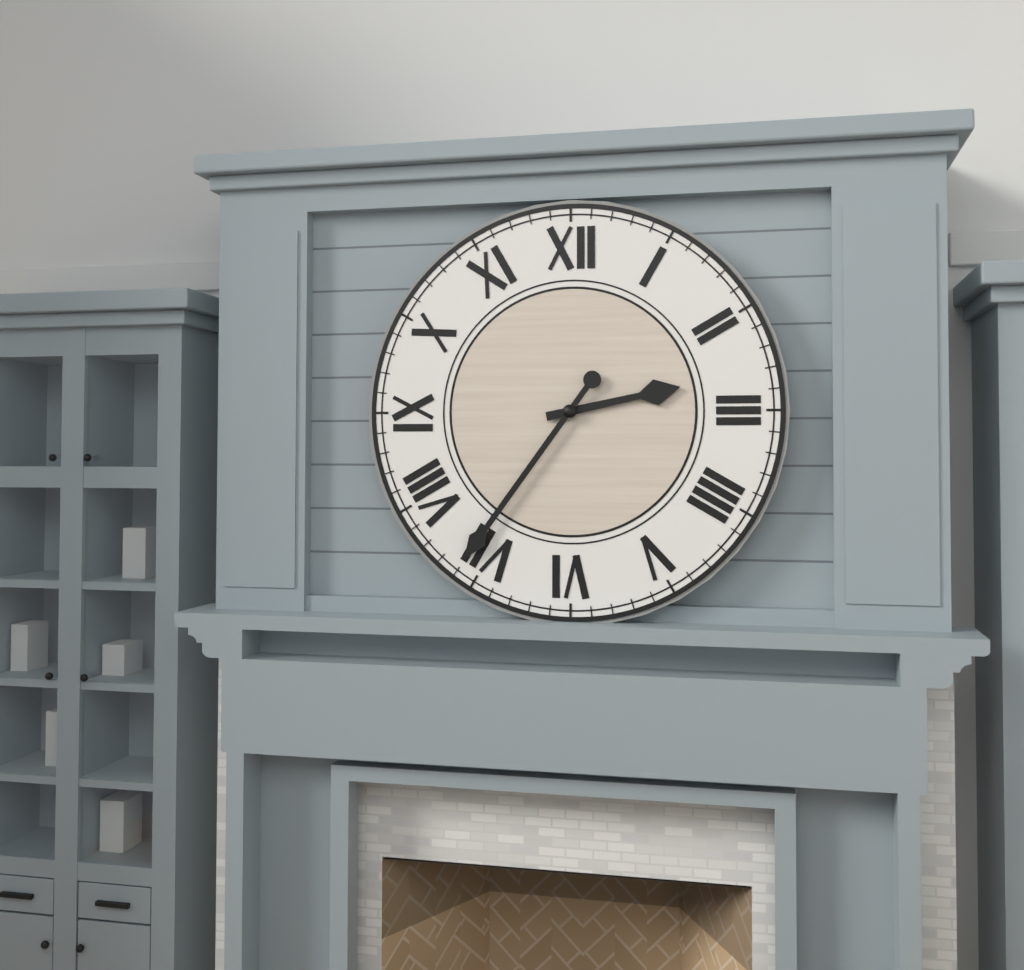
2h36
